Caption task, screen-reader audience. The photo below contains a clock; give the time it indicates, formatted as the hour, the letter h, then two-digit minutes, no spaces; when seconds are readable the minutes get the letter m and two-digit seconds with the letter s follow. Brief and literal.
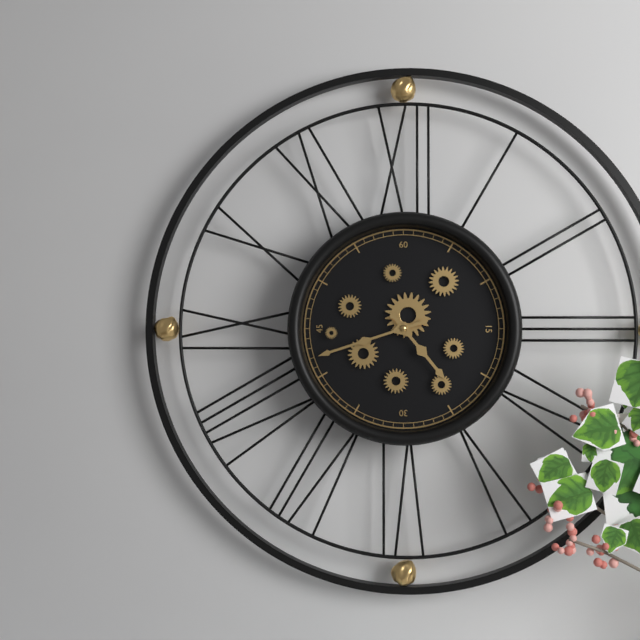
4h42
